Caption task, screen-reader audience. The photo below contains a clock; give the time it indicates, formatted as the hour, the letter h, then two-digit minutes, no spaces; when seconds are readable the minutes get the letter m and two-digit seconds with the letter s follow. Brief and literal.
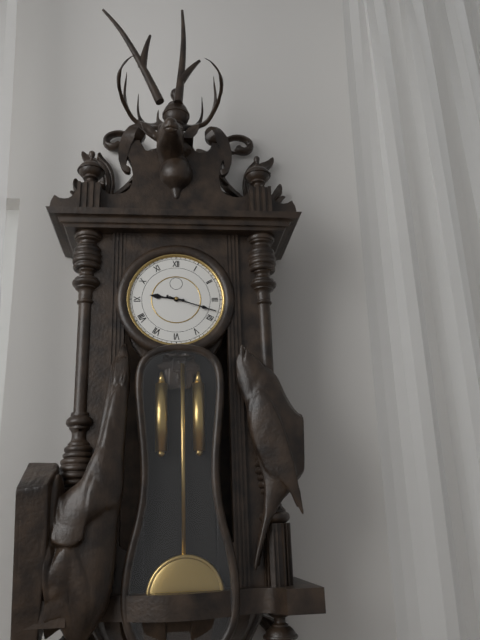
9h18
